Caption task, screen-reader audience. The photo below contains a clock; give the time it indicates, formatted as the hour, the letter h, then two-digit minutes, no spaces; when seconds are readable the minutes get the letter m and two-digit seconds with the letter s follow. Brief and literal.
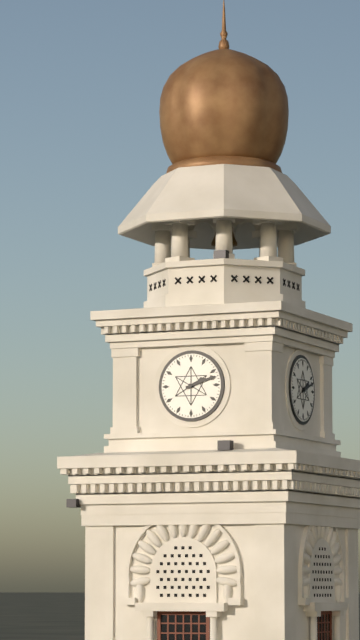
2h12
